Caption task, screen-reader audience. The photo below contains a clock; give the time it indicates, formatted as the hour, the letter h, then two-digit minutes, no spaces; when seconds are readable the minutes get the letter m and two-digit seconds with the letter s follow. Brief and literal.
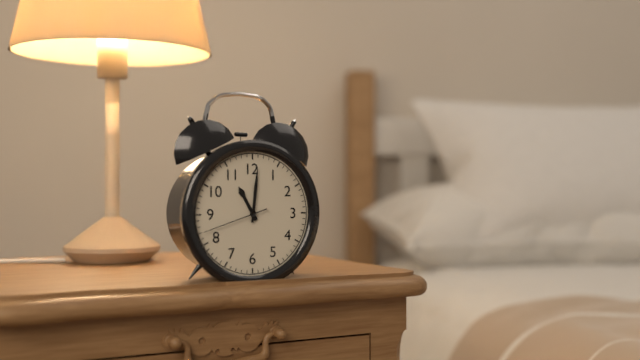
11h01m42s
